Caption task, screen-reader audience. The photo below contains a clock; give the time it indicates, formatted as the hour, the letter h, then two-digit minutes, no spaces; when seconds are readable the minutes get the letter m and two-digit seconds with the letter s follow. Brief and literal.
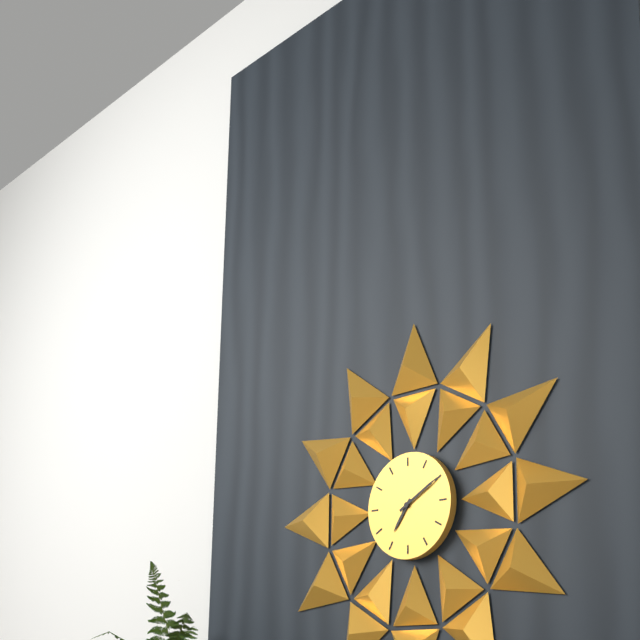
7h10
